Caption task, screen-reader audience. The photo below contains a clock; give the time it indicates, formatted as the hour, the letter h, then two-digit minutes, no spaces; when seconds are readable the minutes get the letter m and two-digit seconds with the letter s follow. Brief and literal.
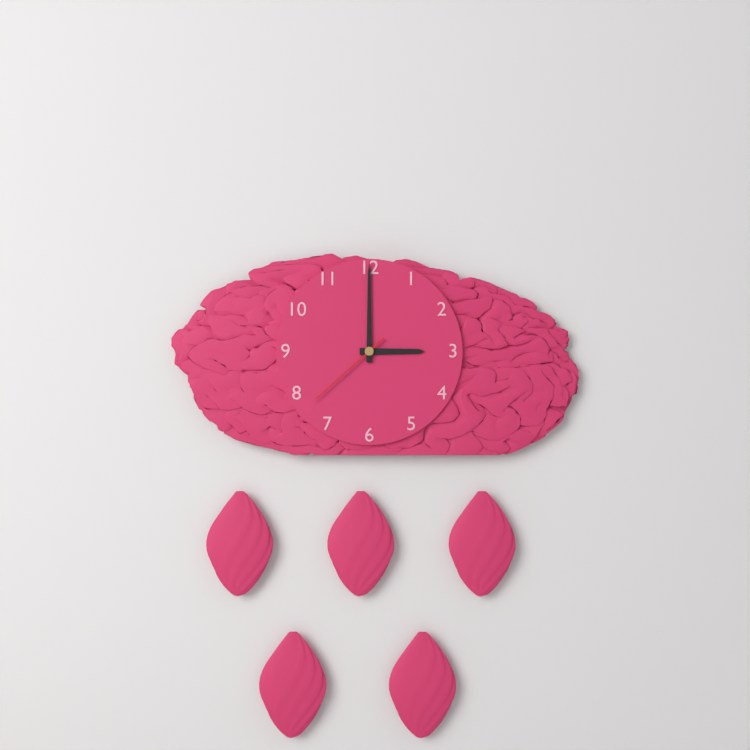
3h00m38s
